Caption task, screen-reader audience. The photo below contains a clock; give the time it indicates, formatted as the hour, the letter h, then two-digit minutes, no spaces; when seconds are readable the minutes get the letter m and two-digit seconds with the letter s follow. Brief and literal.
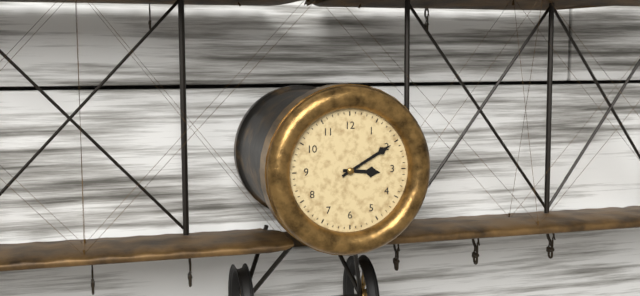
3h10
